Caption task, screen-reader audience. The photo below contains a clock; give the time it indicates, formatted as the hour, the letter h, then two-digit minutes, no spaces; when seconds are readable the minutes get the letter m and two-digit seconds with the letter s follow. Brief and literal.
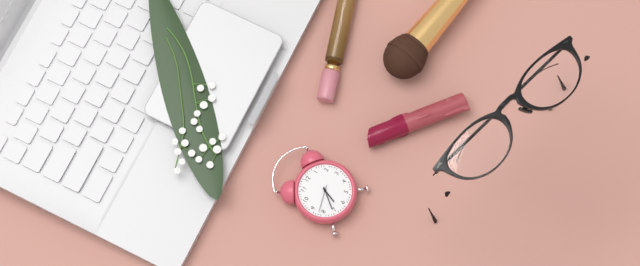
6h36
